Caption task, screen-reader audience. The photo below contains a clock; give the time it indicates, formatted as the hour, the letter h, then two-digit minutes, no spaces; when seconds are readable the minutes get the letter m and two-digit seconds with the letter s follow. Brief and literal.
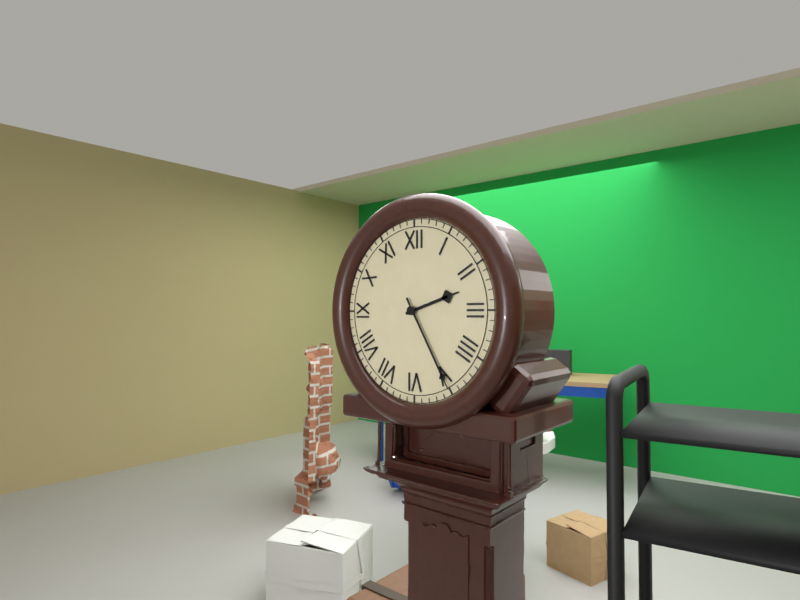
2h25
